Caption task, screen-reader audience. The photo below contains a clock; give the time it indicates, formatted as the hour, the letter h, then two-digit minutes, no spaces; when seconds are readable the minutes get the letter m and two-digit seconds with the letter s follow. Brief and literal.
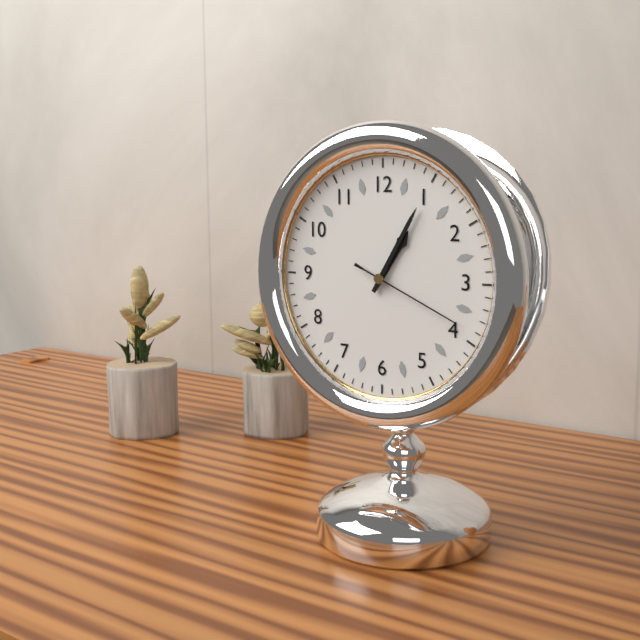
1h05m19s
